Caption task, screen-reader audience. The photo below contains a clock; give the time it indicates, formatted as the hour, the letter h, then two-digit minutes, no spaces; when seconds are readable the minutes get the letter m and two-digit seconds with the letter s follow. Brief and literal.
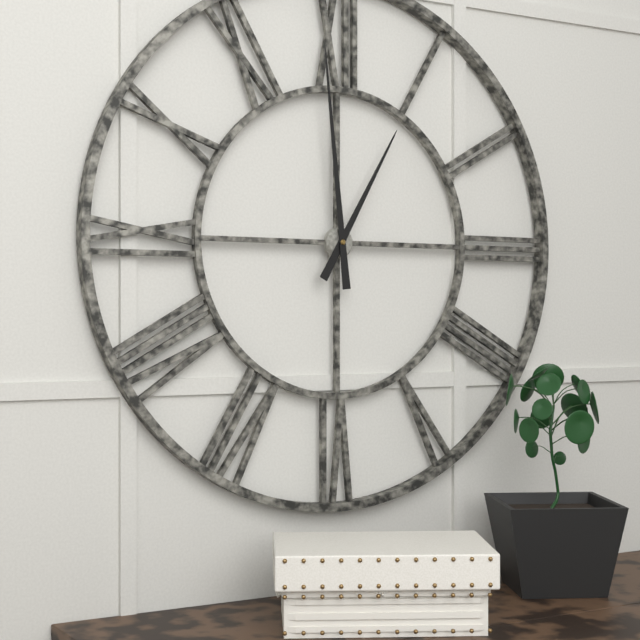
12h59
